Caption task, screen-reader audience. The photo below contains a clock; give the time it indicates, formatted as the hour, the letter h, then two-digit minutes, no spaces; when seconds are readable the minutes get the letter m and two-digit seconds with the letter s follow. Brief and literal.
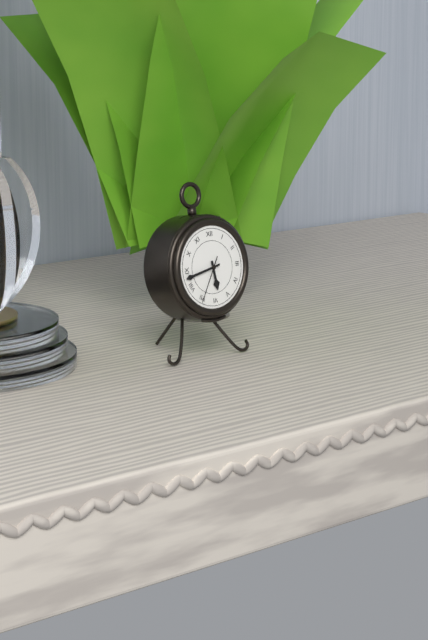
5h43
